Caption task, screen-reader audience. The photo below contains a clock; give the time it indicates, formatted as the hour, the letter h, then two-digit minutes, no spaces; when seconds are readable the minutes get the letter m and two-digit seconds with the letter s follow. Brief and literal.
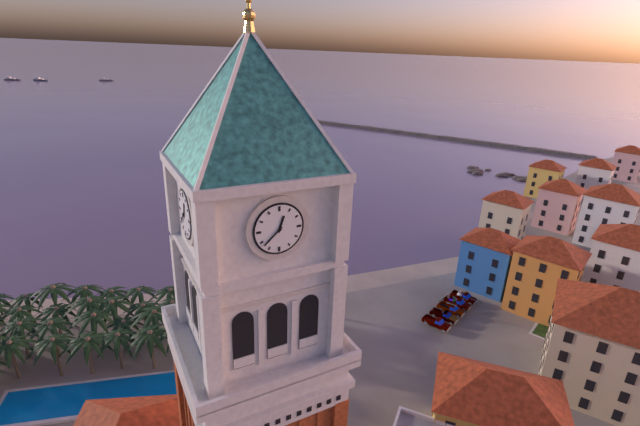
12h38
